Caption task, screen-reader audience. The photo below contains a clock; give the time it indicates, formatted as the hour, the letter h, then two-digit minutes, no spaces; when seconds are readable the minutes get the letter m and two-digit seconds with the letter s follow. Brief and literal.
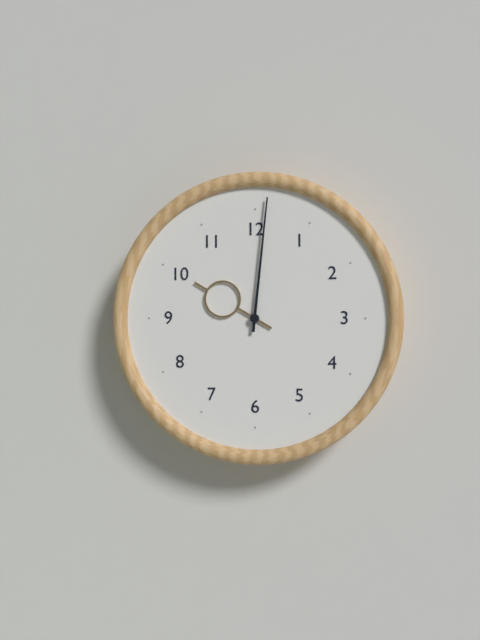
10h01
